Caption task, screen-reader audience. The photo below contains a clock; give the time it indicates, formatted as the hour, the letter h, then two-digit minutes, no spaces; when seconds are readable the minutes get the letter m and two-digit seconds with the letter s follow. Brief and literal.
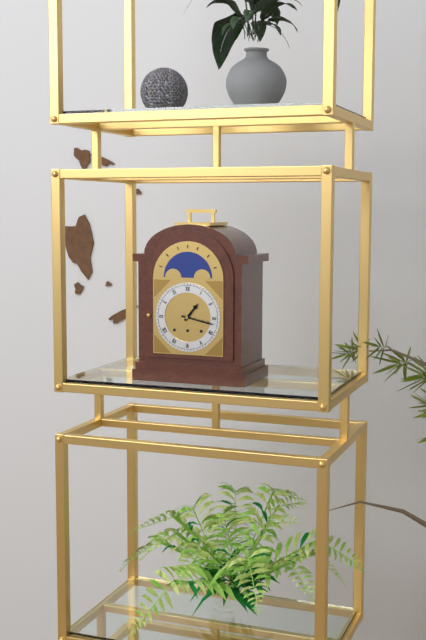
1h17
